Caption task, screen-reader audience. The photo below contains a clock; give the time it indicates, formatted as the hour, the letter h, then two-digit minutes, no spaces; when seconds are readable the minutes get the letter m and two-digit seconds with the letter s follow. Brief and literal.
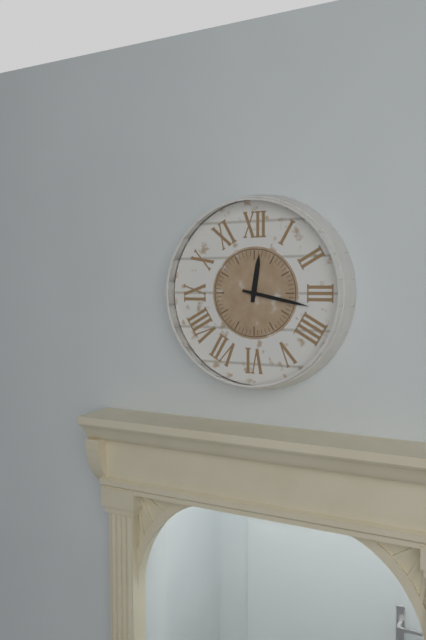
12h17
